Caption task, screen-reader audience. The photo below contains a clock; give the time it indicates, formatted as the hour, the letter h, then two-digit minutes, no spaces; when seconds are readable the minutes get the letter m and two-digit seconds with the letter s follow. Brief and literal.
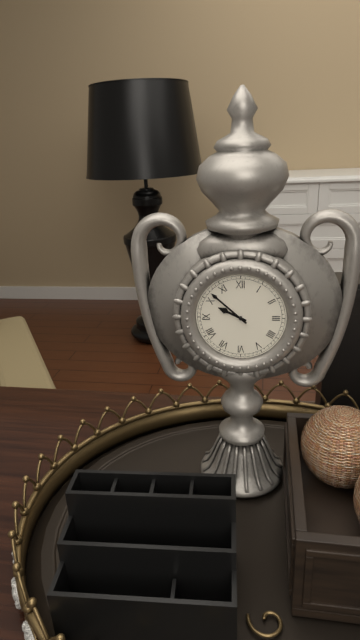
9h52
